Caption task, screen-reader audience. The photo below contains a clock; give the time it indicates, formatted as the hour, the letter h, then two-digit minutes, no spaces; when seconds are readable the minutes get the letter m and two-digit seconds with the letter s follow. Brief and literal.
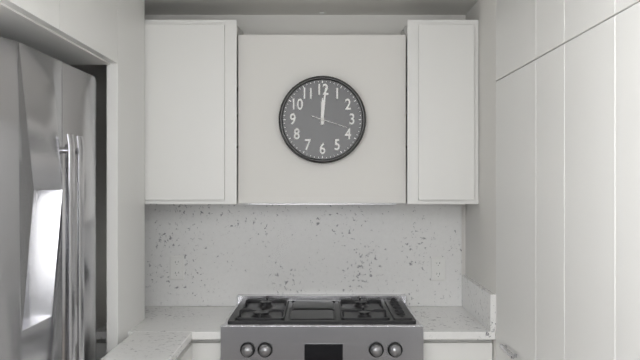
12h01
